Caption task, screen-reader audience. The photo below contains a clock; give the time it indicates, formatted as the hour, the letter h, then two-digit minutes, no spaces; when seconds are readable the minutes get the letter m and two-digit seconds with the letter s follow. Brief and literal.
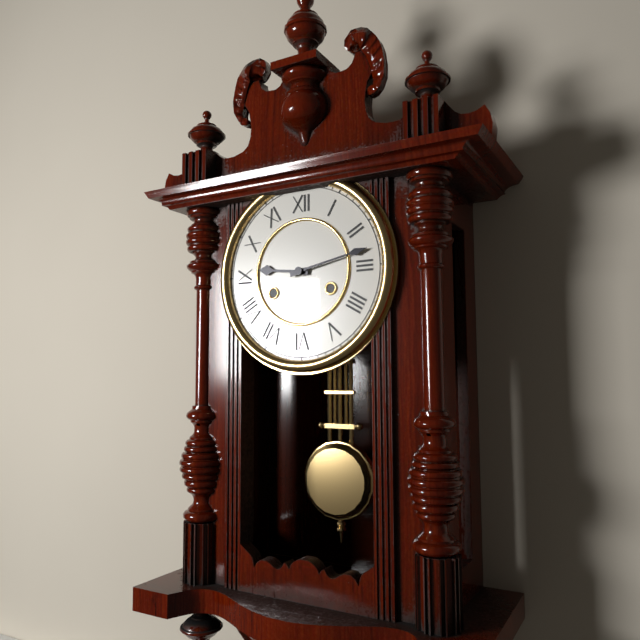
9h13
